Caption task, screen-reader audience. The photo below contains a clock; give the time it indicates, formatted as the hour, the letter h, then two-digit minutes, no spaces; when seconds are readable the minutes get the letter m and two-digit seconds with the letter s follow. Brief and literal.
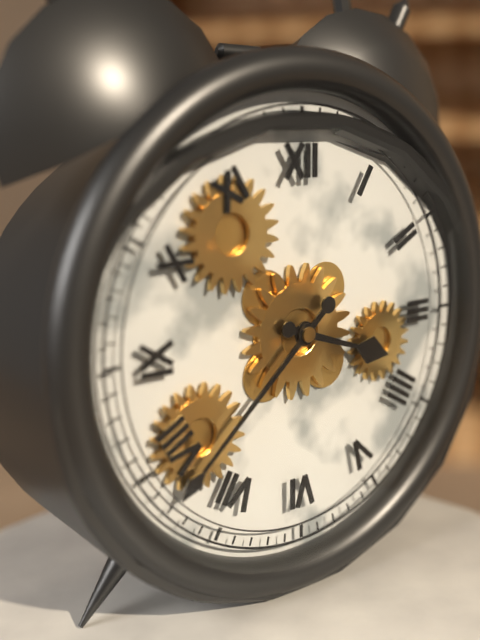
3h38
